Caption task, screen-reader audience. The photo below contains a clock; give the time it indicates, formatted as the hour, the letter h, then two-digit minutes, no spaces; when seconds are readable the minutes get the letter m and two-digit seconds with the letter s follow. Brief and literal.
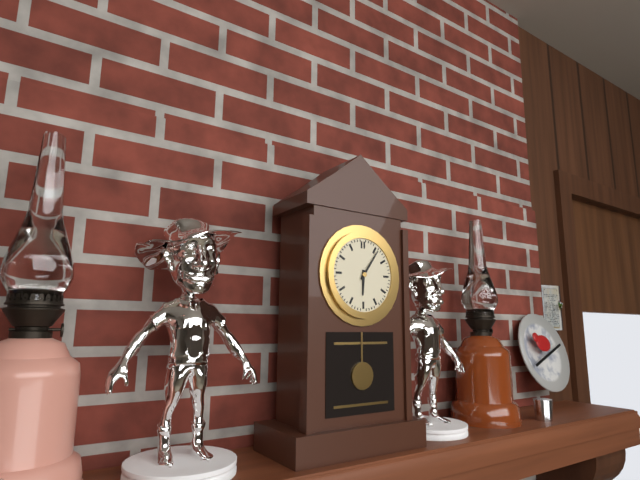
6h06
